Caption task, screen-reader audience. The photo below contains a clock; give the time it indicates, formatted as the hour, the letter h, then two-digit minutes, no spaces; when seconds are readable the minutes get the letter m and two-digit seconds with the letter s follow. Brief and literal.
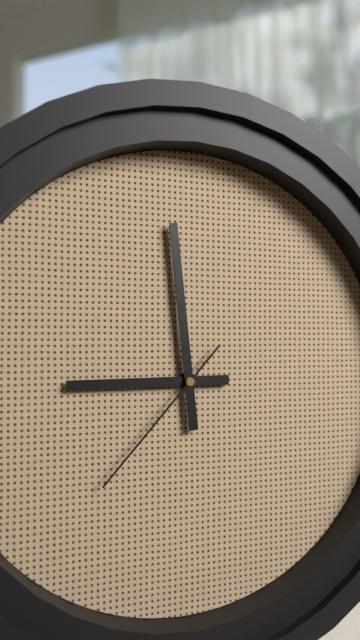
8h59m37s
